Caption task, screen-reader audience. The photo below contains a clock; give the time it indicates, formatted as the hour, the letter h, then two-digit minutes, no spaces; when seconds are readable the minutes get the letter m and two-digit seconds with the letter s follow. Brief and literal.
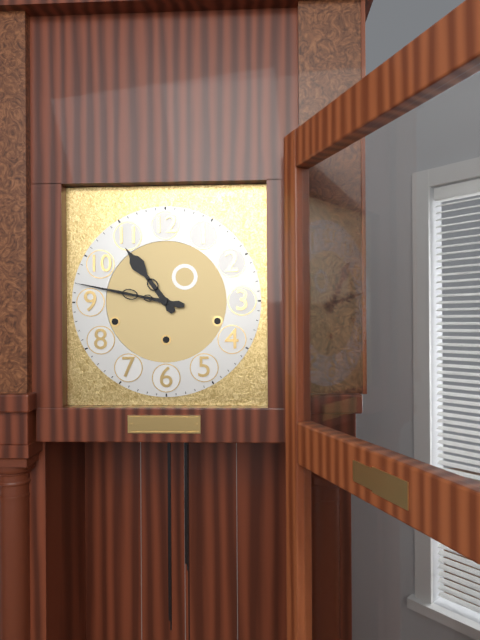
10h47
